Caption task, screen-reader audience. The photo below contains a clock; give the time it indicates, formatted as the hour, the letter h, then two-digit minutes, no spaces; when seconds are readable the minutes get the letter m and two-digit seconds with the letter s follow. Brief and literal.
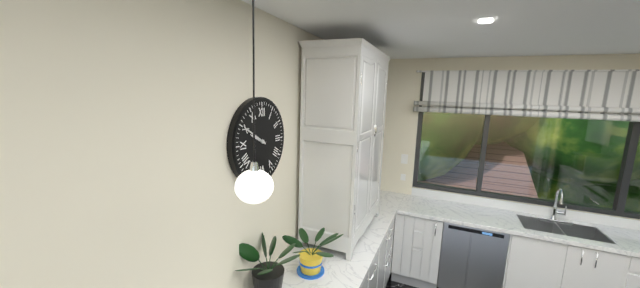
9h50
